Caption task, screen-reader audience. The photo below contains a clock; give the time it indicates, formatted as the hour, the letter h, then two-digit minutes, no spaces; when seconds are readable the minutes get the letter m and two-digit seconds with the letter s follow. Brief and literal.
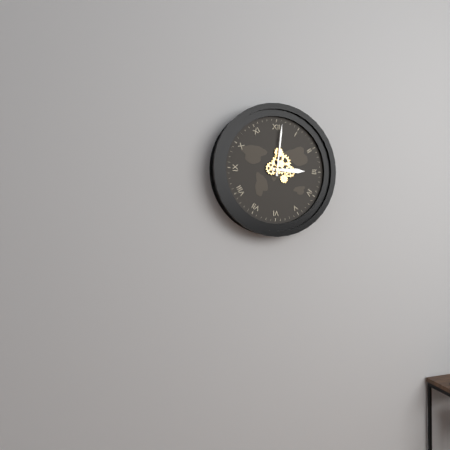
3h01
